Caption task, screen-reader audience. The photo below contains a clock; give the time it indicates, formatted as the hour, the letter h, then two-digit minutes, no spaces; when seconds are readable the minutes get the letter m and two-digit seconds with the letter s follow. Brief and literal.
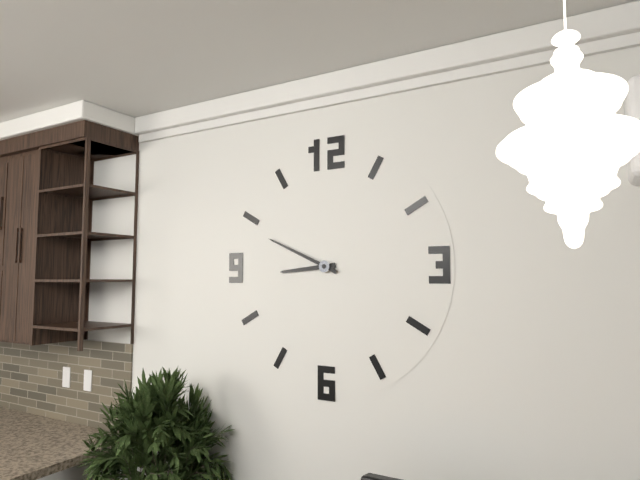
8h49
